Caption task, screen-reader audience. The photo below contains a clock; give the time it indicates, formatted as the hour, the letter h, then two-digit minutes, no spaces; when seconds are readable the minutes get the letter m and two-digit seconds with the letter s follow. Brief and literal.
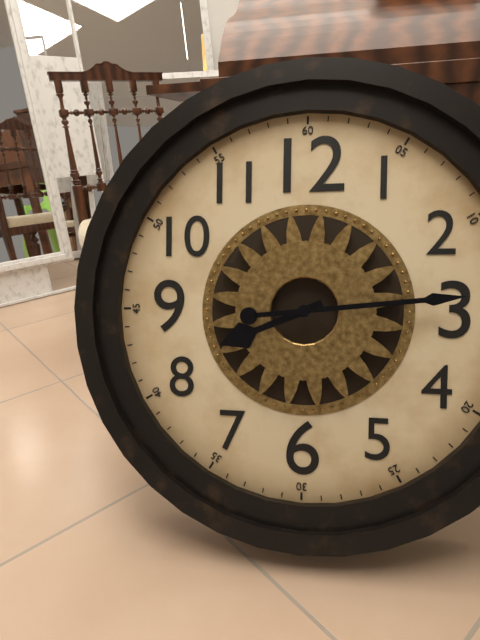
8h14
